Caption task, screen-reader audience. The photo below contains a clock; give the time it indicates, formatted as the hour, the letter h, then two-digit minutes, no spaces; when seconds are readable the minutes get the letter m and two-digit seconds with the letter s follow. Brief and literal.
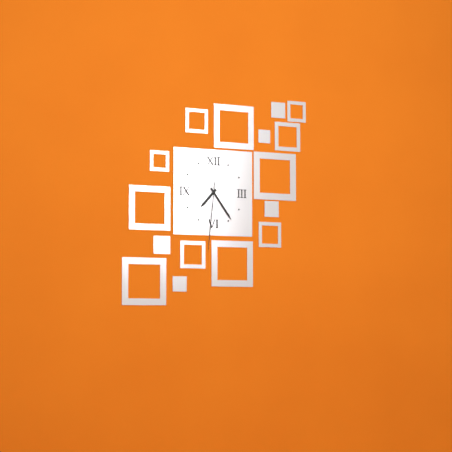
7h24m31s
